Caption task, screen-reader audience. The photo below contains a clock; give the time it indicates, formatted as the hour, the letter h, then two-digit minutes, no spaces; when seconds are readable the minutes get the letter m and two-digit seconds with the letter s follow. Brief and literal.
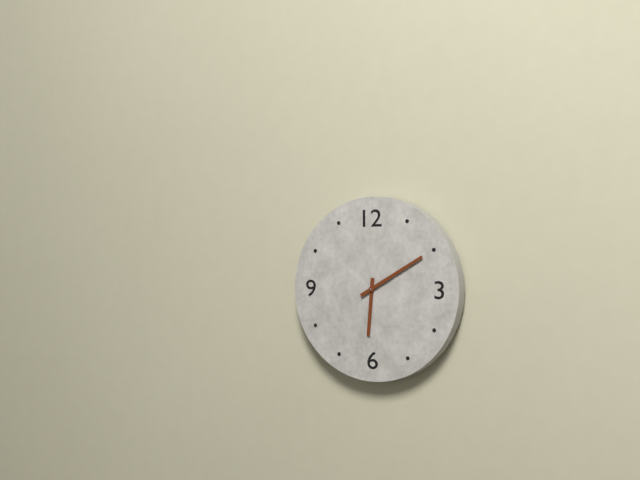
6h10
